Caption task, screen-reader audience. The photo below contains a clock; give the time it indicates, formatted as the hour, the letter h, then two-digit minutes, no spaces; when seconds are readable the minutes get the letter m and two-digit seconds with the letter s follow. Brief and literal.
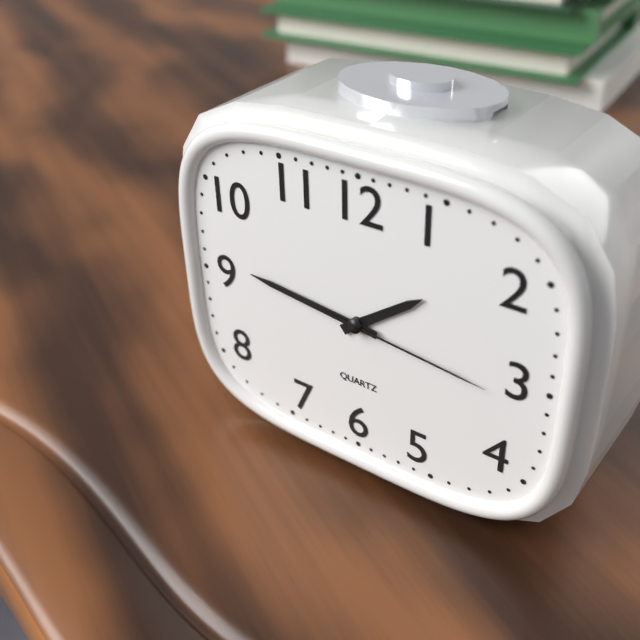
1h46m16s
